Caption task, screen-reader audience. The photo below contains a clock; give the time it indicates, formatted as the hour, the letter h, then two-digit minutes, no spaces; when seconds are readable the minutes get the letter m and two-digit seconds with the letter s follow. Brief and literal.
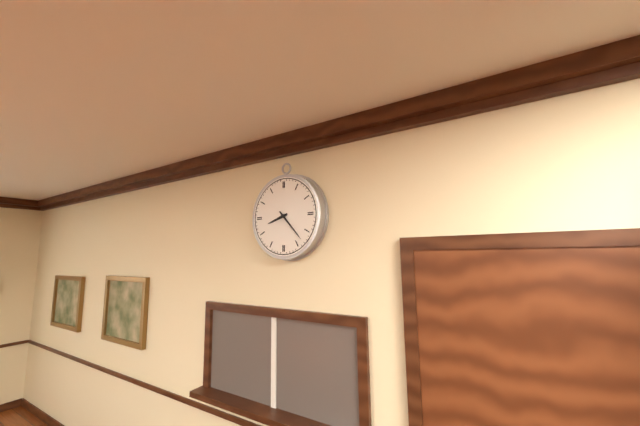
8h23
